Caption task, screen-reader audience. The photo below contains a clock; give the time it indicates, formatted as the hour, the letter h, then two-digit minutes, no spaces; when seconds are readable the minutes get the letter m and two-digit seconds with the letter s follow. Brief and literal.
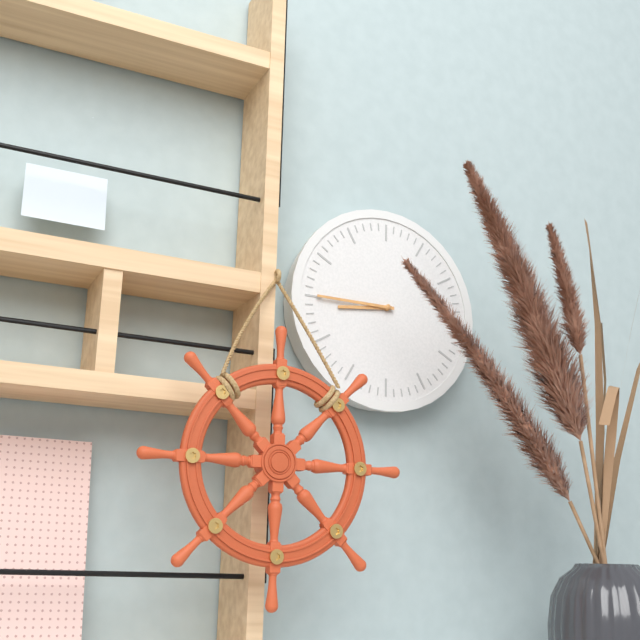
8h45
